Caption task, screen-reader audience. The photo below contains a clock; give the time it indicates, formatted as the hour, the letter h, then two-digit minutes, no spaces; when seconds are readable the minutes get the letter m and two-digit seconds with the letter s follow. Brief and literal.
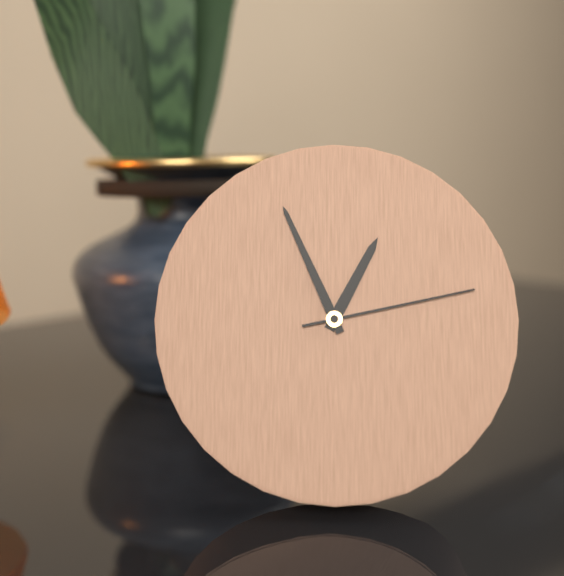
12h56m13s
